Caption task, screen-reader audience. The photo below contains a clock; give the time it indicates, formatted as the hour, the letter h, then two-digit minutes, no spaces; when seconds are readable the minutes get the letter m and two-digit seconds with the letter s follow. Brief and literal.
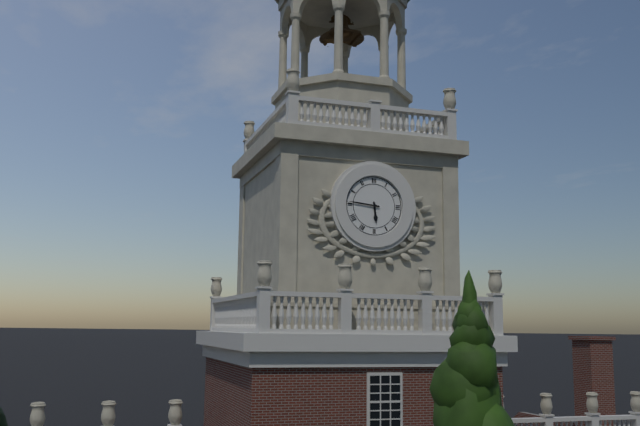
5h46
